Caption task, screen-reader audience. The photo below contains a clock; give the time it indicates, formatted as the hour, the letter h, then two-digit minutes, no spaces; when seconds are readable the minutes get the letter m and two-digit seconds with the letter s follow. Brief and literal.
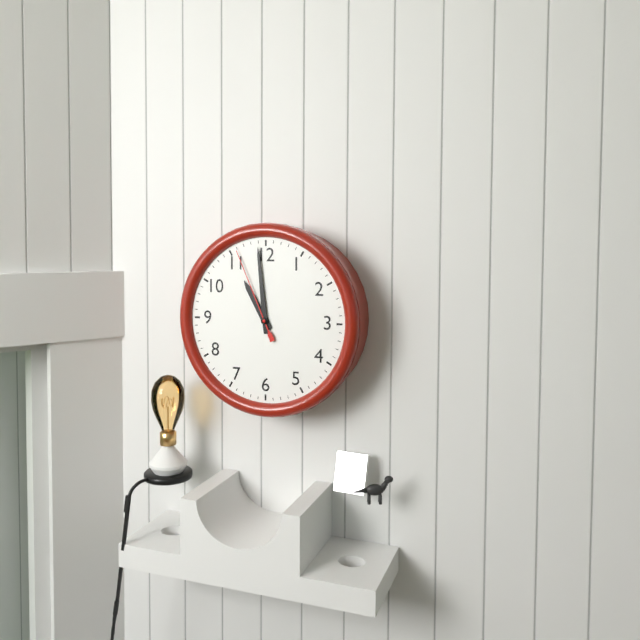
10h59m56s
